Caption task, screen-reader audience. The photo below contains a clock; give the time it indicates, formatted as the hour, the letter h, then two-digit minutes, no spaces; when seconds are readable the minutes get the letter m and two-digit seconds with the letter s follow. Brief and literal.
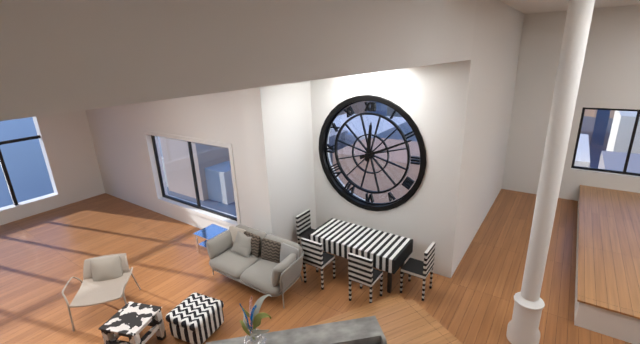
12h11
